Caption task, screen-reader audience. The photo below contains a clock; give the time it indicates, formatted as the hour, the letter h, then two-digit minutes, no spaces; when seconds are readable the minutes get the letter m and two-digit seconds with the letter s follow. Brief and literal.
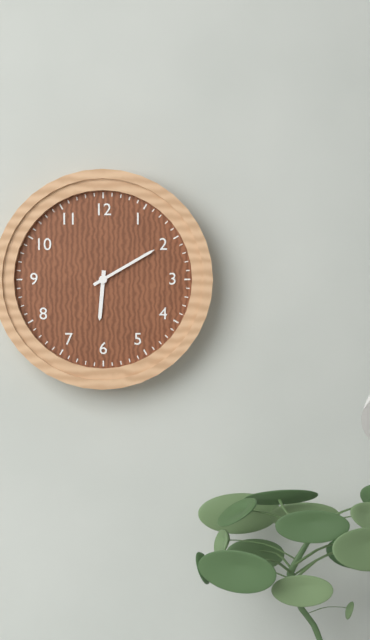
6h10
